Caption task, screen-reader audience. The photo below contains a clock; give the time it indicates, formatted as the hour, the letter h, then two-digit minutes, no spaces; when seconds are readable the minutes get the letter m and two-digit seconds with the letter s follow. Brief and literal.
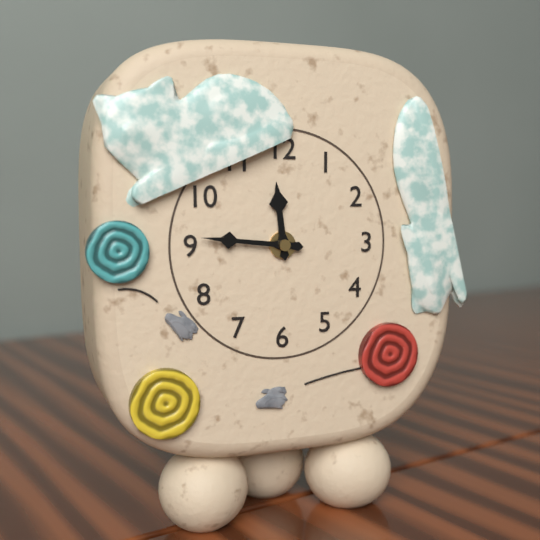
11h46
